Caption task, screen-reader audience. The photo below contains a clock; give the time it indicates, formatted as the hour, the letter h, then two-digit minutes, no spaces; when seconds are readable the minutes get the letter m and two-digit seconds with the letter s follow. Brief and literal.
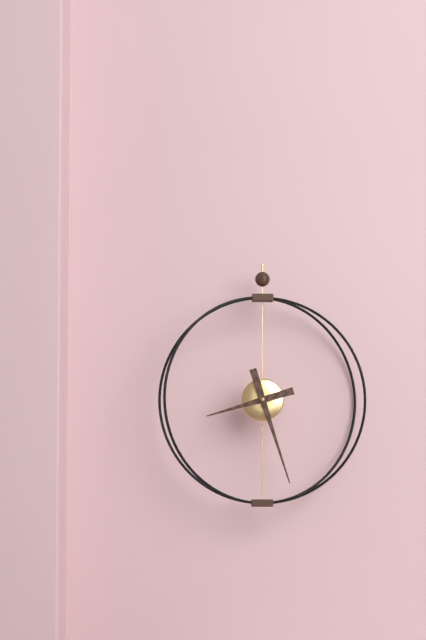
8h27
